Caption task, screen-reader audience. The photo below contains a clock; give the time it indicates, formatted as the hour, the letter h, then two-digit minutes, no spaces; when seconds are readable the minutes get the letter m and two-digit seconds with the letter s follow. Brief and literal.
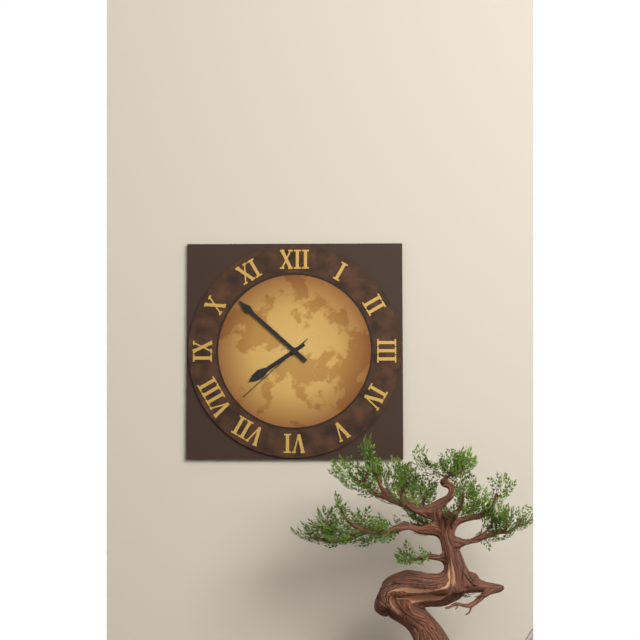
7h52m38s
